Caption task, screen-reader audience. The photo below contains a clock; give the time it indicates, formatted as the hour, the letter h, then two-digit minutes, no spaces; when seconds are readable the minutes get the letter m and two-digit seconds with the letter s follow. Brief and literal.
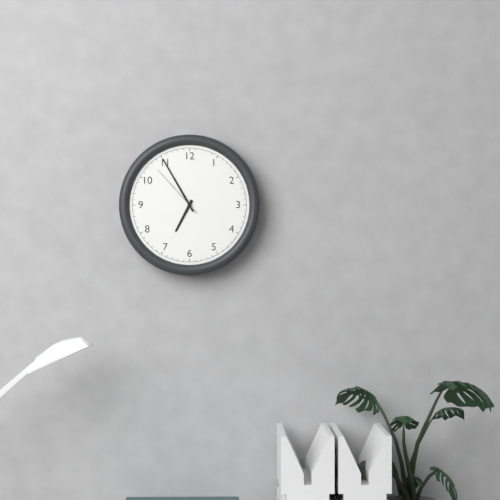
6h55m53s
